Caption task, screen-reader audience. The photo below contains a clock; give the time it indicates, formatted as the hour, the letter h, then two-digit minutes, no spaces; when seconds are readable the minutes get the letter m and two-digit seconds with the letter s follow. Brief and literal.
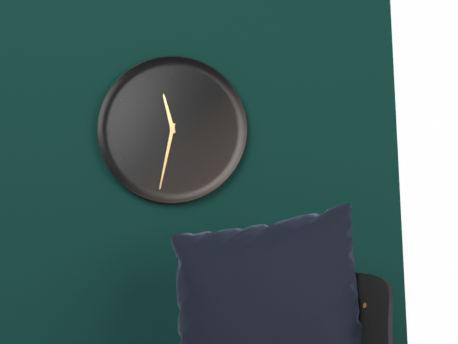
11h32
